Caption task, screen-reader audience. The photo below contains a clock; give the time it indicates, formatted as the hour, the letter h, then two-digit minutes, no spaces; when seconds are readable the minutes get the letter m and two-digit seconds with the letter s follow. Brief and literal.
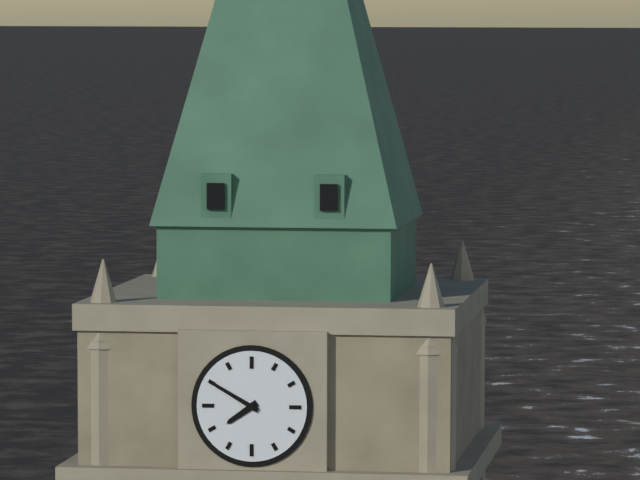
7h50
